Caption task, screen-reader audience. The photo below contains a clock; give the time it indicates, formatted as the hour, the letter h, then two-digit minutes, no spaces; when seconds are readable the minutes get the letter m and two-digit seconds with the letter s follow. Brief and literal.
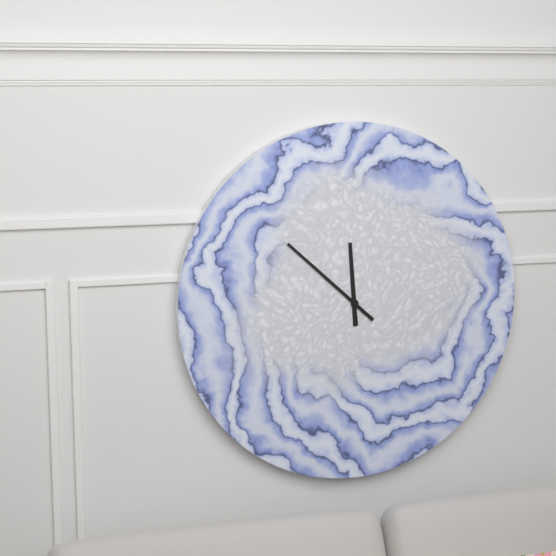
11h52
